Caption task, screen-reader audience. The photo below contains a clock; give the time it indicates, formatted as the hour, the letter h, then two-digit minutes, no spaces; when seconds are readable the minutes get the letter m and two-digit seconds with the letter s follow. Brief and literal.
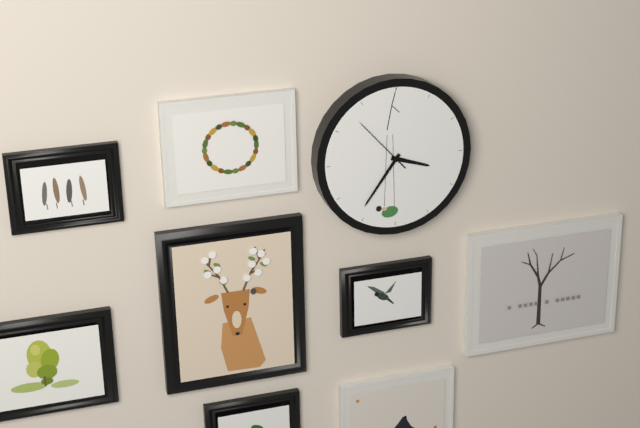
3h36m53s
